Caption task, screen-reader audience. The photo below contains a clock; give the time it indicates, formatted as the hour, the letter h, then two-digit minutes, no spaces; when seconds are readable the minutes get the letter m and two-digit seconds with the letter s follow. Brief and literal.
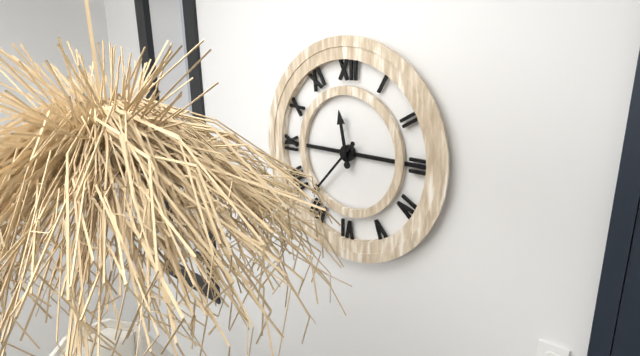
11h37
